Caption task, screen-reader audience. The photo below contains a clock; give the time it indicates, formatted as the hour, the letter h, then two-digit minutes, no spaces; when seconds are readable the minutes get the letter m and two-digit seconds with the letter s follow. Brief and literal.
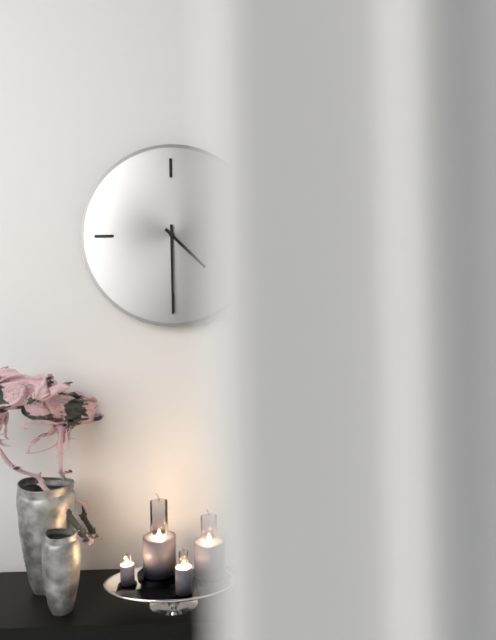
4h30
